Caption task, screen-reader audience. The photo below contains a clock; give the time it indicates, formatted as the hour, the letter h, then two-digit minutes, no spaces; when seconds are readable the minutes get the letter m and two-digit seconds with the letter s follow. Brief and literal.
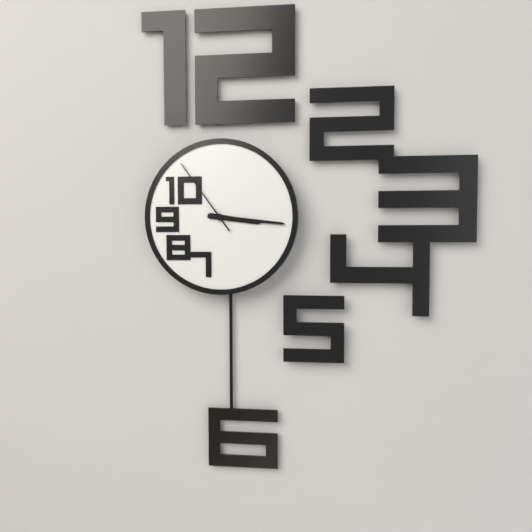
3h16m54s
